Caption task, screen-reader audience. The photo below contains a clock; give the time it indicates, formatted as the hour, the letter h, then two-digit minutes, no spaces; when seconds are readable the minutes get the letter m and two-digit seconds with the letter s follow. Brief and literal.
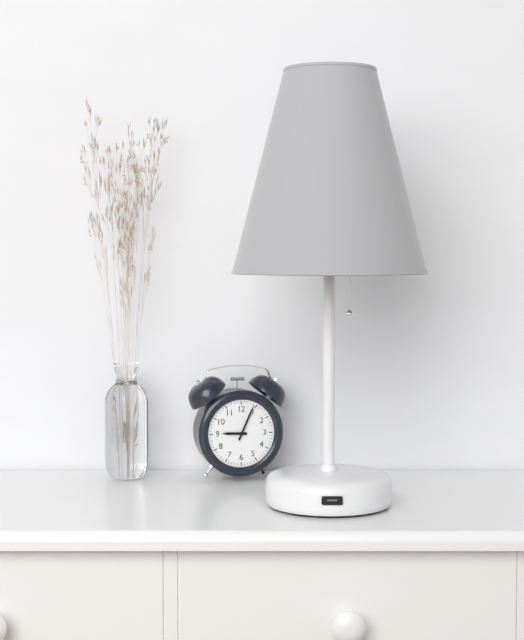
9h04
